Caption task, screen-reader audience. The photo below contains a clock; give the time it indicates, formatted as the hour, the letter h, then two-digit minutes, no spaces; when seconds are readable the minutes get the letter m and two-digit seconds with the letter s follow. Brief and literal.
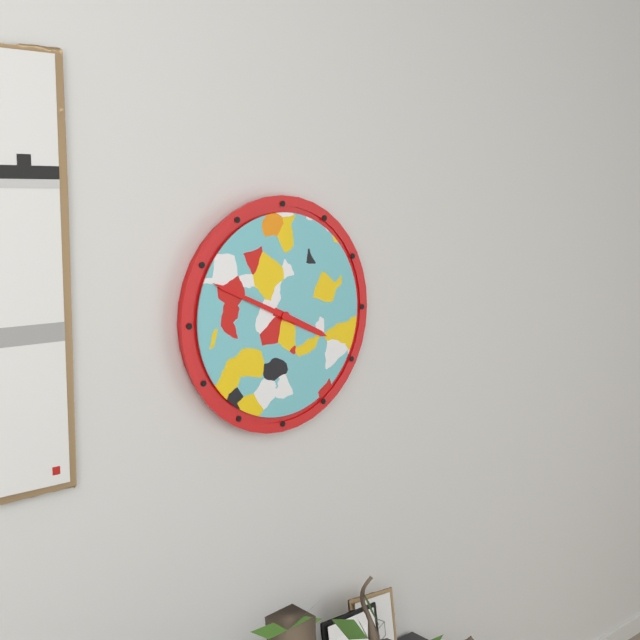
3h49
